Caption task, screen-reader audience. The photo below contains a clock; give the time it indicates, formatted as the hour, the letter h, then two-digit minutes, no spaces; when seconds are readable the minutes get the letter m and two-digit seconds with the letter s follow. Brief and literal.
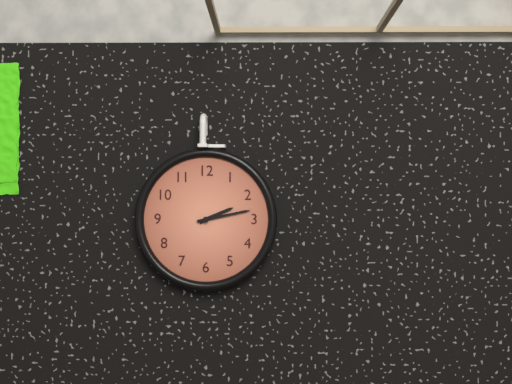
2h13
